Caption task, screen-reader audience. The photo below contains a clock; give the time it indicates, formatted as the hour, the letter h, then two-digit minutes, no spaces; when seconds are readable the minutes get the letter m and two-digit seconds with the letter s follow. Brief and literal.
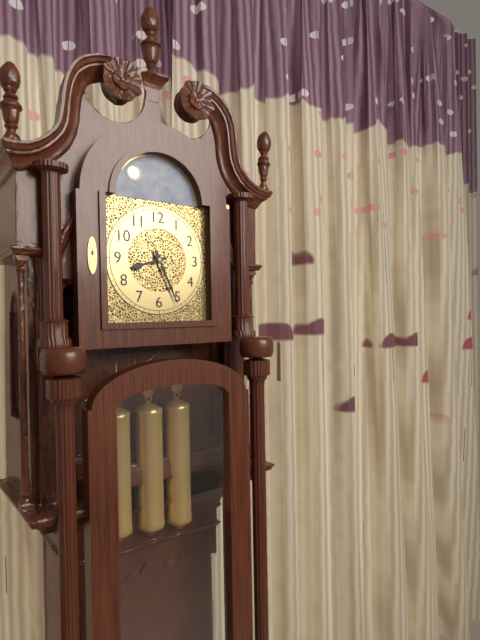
8h26
